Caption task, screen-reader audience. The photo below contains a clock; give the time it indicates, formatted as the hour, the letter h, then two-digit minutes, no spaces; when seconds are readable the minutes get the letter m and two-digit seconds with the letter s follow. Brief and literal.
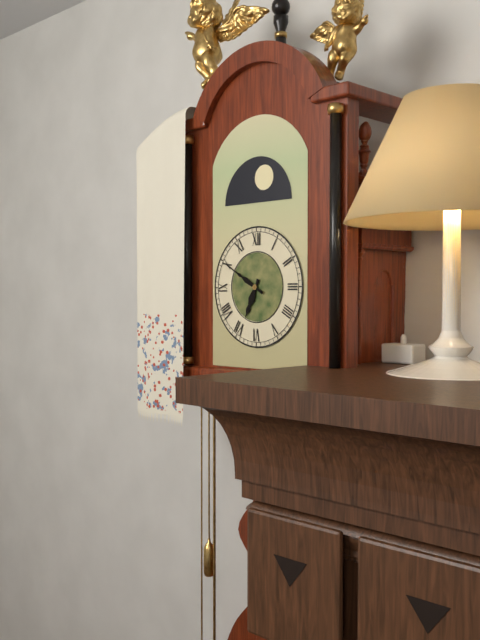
6h50
